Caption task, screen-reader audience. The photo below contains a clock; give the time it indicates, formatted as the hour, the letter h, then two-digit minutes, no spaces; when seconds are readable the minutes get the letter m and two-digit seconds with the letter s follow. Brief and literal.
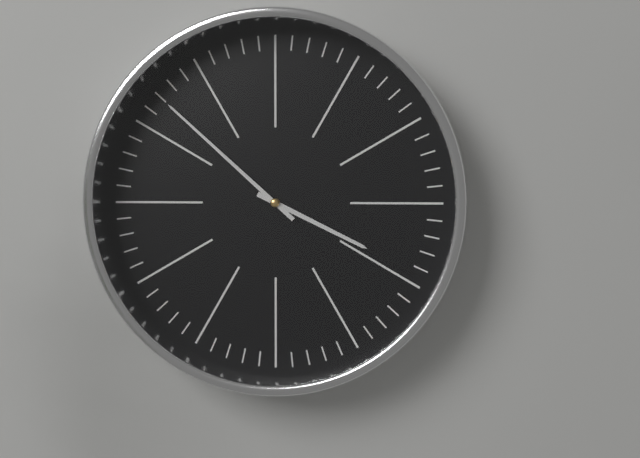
3h52
